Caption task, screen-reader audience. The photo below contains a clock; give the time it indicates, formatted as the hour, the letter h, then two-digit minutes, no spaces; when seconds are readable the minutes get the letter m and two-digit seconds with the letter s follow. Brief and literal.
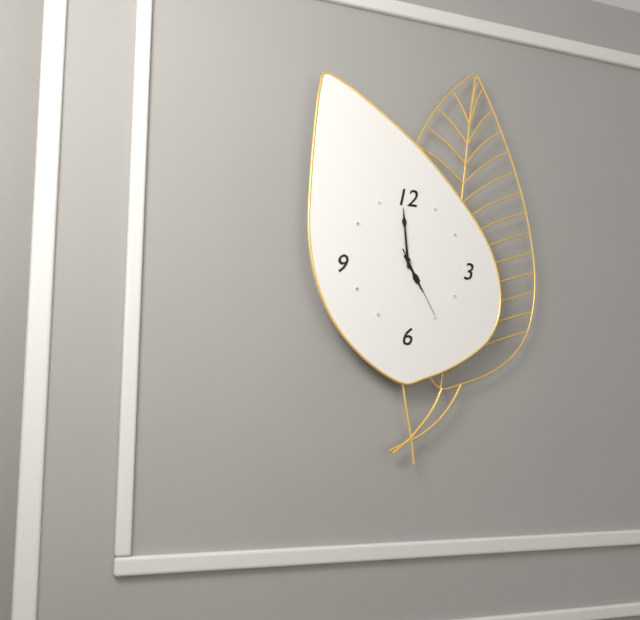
4h59m25s
